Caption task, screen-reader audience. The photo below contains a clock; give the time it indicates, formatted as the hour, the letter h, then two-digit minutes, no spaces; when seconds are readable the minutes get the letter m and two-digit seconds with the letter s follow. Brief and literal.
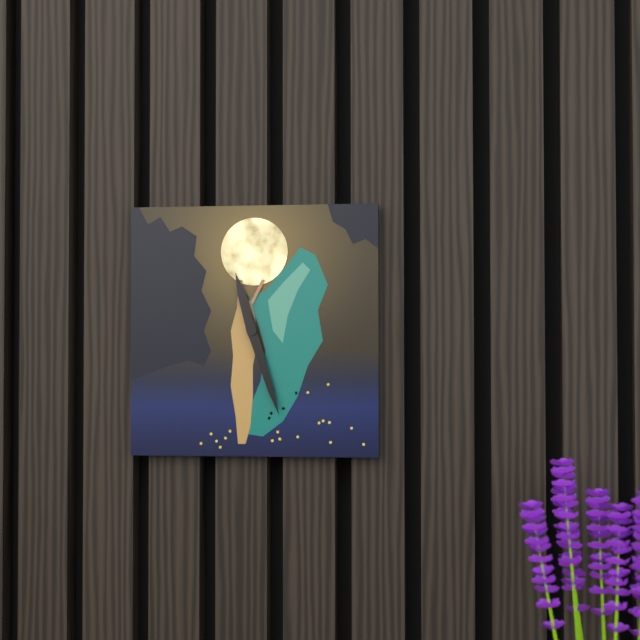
11h27
